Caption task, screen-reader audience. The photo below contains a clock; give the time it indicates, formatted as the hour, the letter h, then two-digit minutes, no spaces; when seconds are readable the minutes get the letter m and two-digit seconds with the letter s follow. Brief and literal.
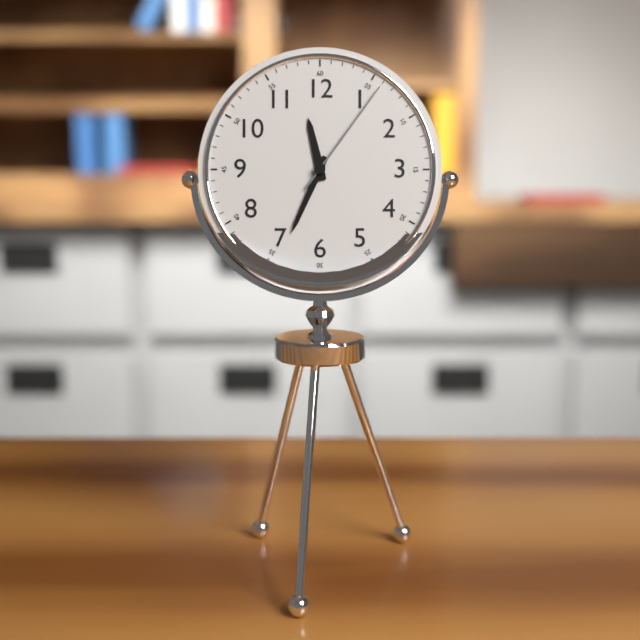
11h34m06s
